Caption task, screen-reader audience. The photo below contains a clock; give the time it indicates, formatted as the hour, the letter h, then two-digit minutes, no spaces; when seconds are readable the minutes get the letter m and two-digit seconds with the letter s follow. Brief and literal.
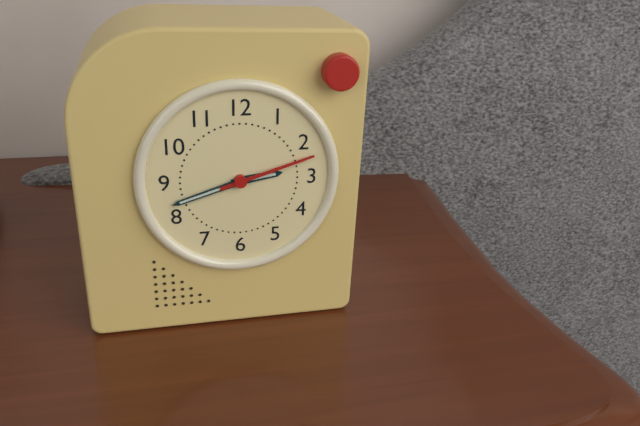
2h42m12s
